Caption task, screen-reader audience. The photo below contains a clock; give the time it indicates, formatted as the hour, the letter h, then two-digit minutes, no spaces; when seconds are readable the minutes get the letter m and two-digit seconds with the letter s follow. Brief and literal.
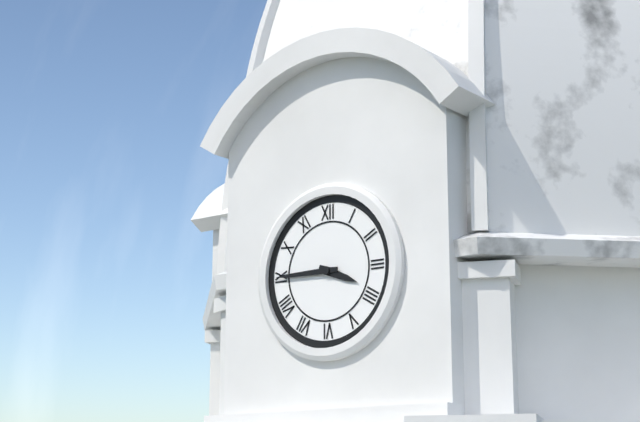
3h45
